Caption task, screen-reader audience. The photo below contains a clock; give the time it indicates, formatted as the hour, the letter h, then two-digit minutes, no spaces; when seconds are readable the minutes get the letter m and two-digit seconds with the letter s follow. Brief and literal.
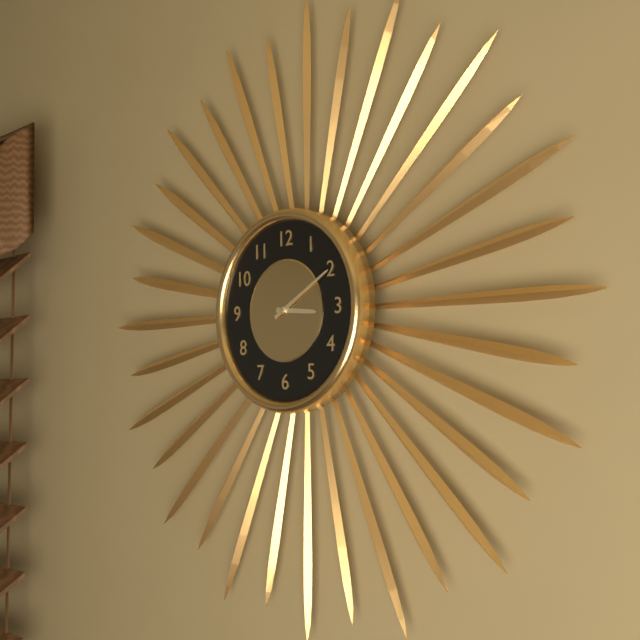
3h10
